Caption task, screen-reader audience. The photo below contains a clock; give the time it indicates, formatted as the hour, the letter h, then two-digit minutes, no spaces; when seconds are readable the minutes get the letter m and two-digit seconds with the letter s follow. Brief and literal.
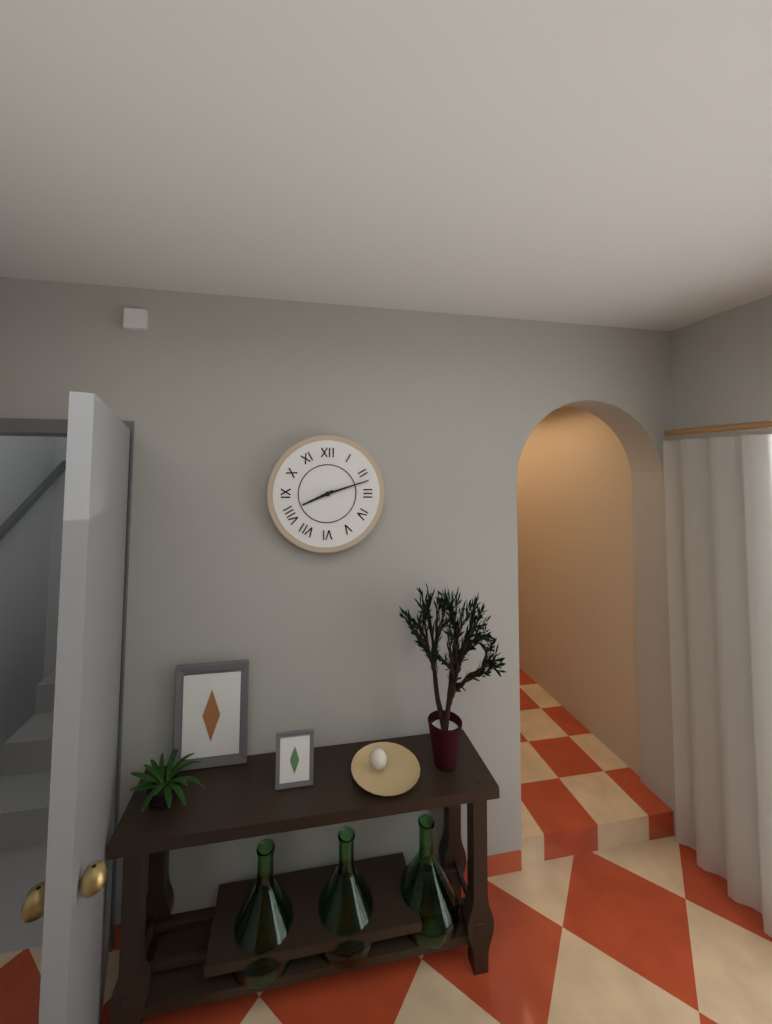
8h12
